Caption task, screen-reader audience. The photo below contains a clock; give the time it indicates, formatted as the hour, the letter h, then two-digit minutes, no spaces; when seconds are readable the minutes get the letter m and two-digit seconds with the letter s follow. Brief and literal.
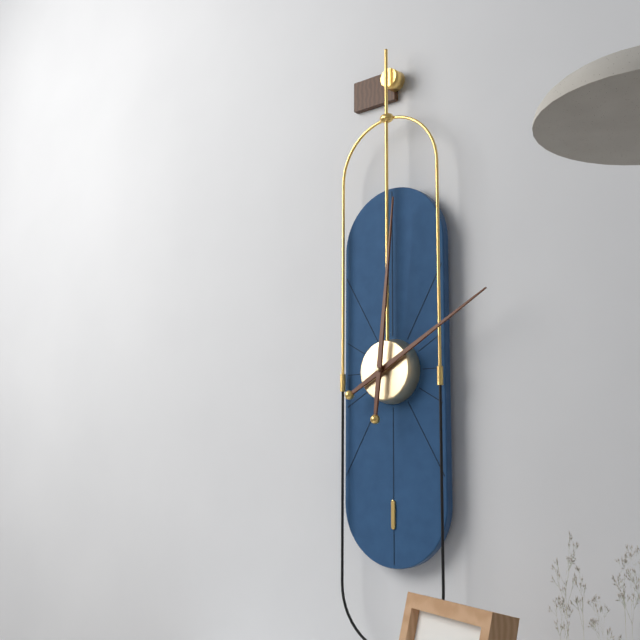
2h01
